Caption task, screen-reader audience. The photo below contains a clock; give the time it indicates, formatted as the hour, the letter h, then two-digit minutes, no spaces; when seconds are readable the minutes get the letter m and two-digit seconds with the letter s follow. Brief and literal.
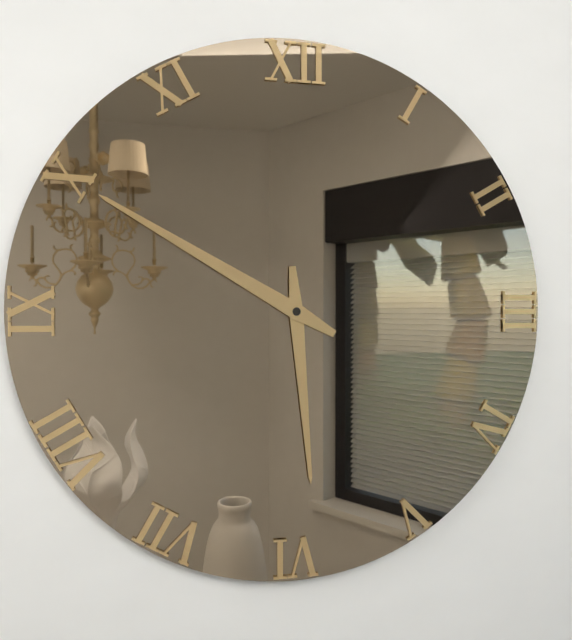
5h50
